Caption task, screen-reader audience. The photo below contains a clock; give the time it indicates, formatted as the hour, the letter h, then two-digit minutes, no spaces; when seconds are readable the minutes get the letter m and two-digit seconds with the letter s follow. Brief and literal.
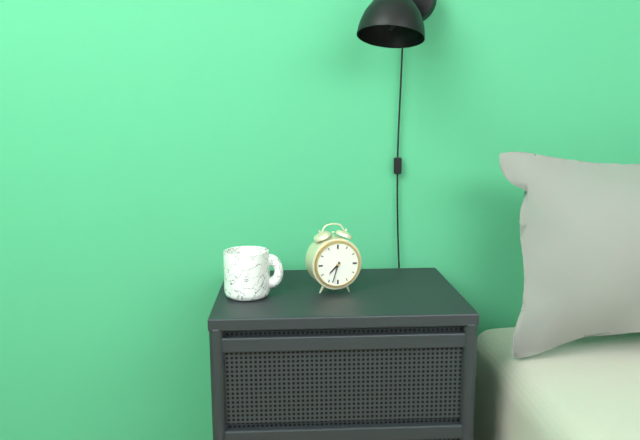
7h33
